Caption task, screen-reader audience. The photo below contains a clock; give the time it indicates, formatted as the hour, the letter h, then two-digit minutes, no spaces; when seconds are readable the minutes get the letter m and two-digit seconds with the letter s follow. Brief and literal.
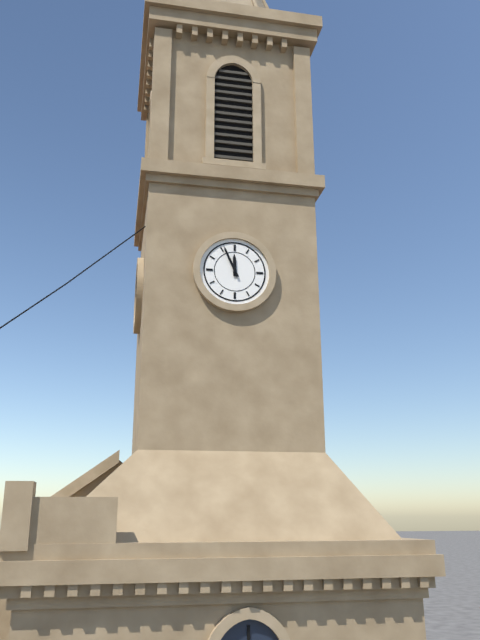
11h56
